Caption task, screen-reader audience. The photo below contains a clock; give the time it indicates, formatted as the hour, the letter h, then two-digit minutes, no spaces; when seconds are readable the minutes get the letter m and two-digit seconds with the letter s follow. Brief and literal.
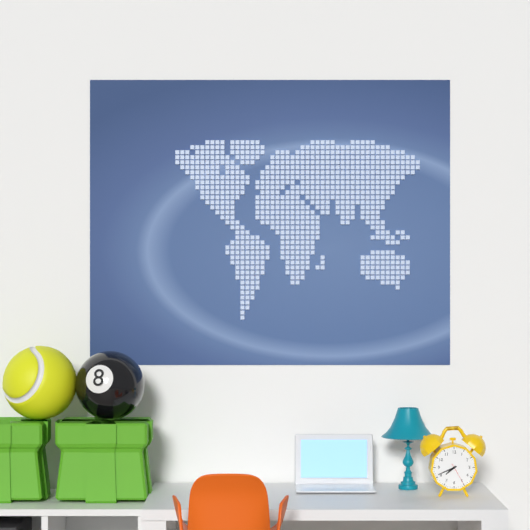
7h41
